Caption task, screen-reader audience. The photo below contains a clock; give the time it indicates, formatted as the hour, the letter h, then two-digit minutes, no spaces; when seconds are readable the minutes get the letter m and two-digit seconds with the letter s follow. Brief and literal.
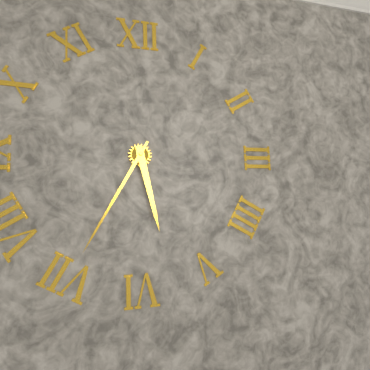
5h35
